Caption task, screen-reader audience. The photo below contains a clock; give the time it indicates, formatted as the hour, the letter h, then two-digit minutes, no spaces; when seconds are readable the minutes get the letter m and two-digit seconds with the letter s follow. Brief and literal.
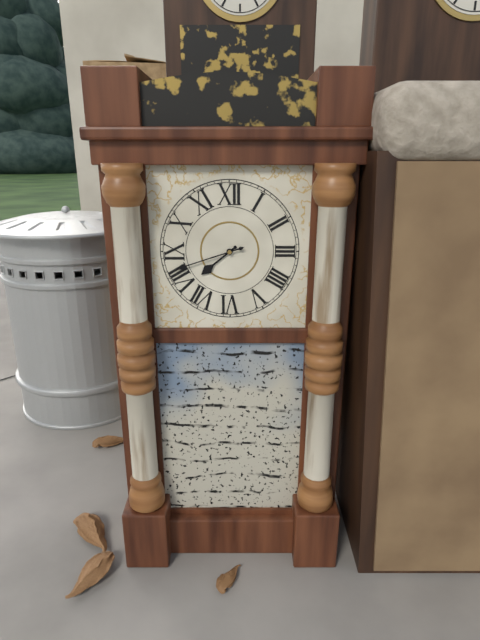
7h42
